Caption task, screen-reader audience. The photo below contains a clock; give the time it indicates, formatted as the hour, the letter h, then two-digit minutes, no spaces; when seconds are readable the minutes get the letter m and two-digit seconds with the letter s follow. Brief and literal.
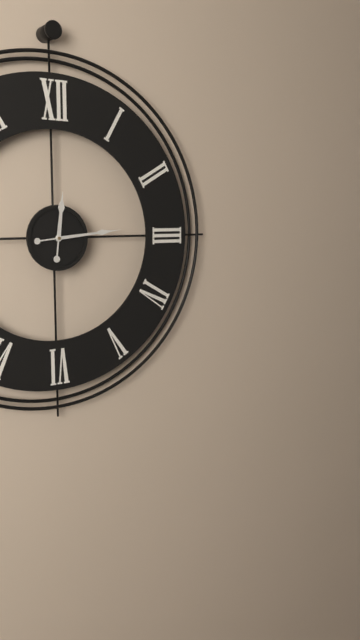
12h14
